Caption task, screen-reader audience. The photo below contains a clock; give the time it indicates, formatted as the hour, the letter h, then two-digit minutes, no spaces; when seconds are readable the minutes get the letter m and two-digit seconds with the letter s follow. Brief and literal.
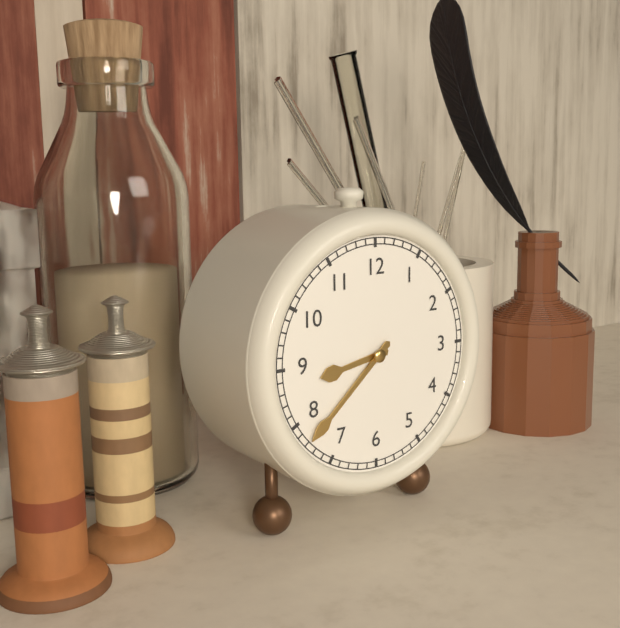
8h38
